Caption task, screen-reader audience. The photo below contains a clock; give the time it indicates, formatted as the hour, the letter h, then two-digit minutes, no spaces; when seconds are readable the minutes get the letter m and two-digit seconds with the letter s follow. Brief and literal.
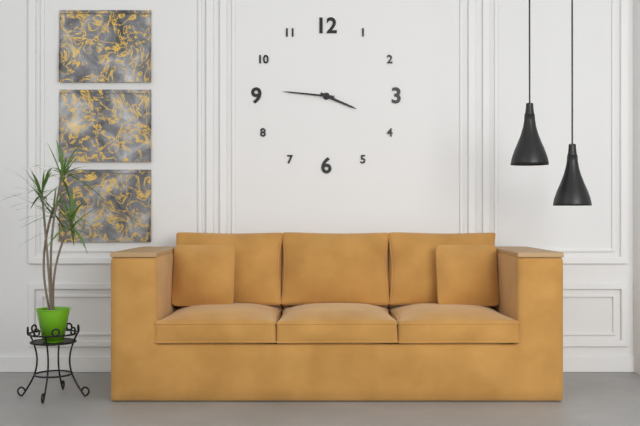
3h46
